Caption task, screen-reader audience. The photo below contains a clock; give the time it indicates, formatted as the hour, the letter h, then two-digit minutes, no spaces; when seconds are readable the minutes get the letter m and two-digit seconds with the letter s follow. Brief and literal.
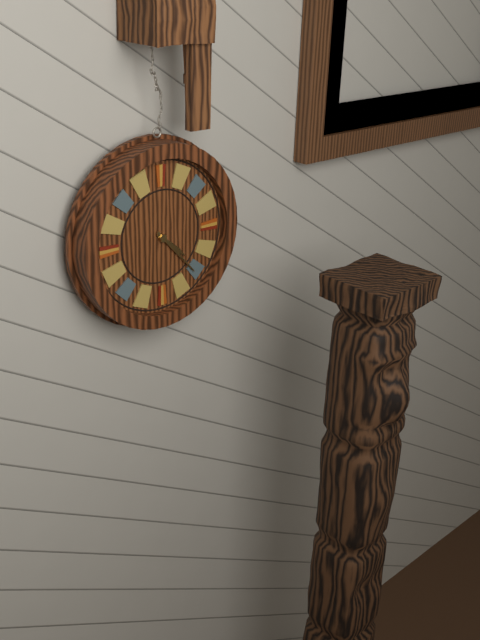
4h23
